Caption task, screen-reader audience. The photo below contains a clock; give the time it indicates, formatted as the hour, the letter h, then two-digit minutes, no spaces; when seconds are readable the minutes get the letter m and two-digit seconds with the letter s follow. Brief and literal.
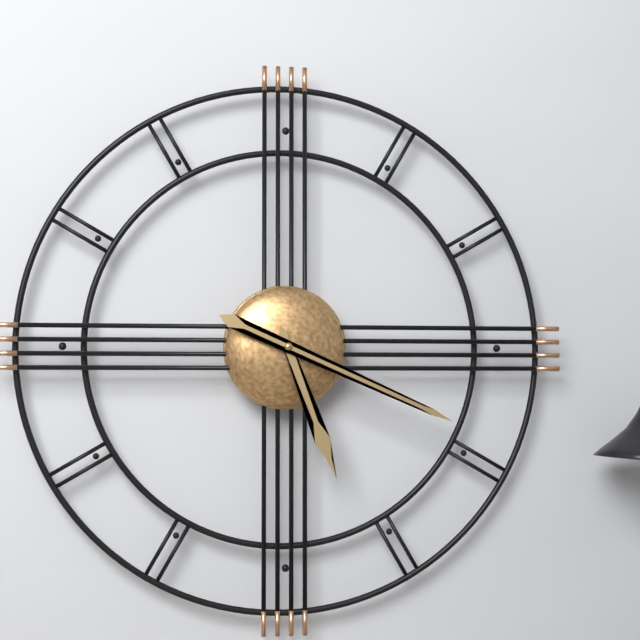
5h19
